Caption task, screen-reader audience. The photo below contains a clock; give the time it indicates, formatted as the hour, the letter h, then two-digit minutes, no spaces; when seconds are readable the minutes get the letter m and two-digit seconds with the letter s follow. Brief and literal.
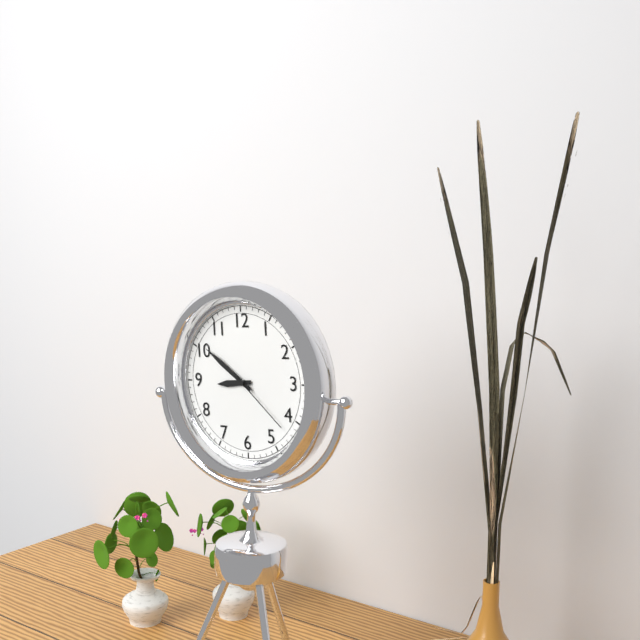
8h51m22s
